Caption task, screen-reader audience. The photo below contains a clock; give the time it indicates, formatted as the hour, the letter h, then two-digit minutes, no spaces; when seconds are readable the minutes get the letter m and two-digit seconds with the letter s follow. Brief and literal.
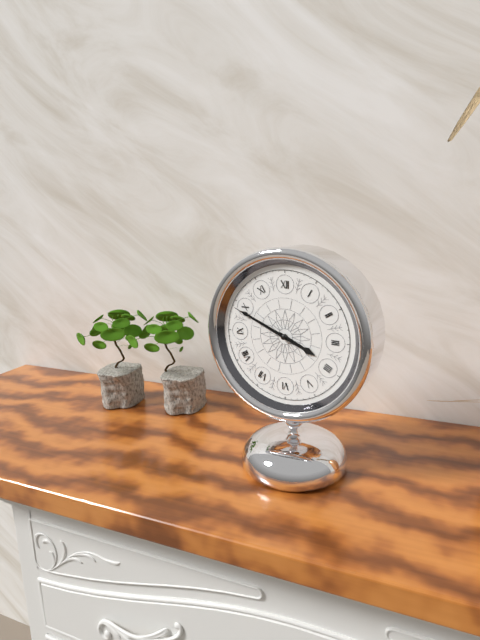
3h49m49s
